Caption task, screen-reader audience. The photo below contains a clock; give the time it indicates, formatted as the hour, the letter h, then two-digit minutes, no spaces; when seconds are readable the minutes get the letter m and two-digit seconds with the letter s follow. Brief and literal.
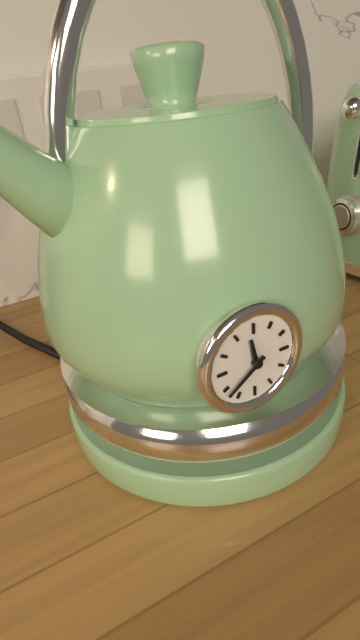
11h39
